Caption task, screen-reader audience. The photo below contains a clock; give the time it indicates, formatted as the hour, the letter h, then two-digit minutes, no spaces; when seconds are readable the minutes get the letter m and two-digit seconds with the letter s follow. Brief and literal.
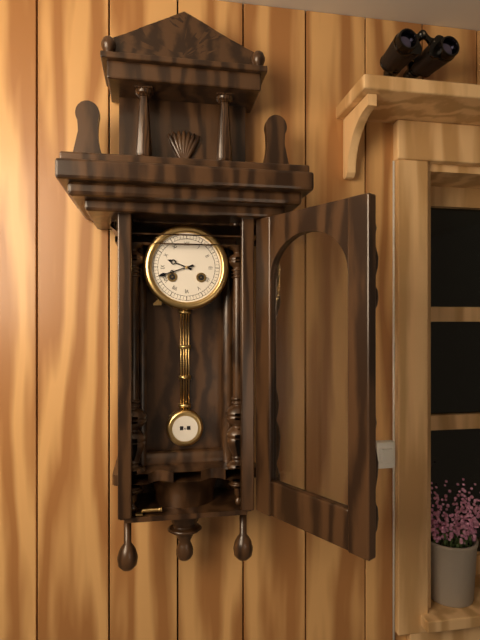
9h42
